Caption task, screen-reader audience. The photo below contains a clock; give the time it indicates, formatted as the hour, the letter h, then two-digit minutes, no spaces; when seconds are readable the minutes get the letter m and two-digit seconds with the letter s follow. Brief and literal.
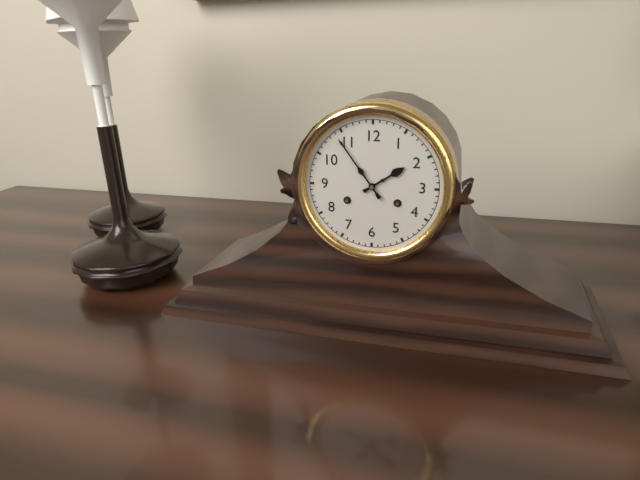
1h54
